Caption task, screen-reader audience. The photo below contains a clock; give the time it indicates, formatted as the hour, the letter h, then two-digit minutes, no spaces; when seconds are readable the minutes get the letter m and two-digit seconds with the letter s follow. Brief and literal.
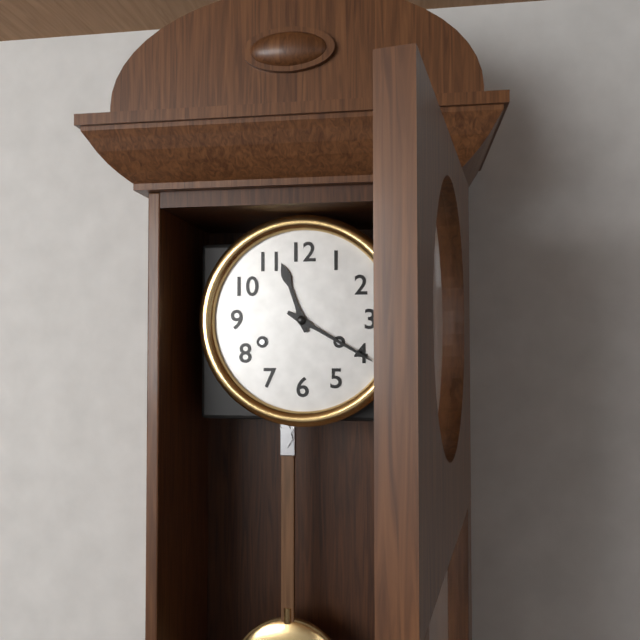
11h20
